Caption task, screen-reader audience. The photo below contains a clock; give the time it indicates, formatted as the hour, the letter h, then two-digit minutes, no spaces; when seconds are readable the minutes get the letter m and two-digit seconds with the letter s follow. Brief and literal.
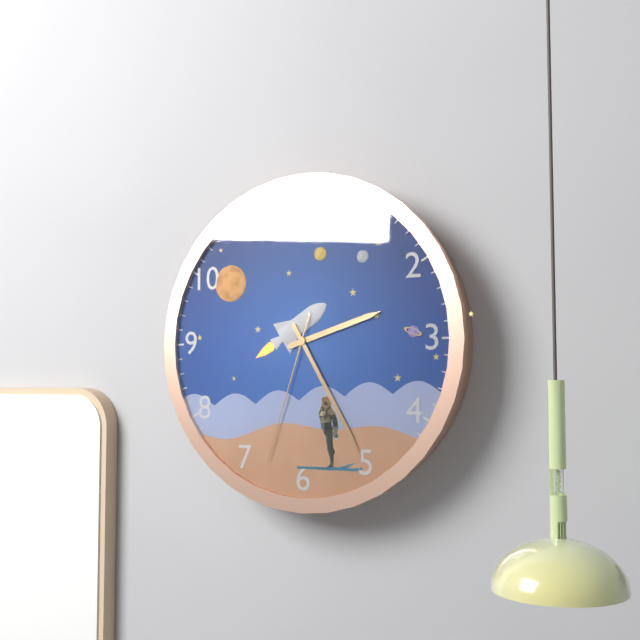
2h25m33s
